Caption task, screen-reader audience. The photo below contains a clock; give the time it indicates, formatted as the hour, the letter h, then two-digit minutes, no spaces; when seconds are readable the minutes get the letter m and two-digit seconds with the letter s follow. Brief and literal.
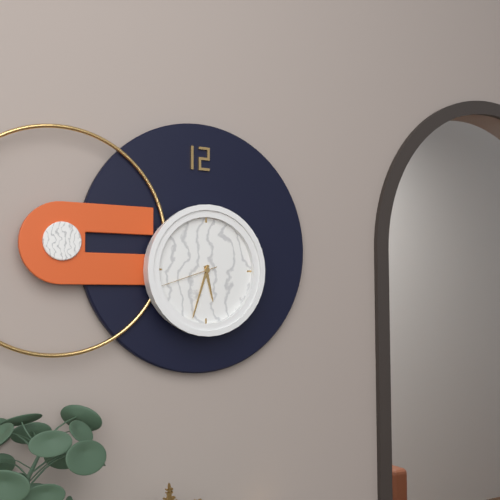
5h33m42s
